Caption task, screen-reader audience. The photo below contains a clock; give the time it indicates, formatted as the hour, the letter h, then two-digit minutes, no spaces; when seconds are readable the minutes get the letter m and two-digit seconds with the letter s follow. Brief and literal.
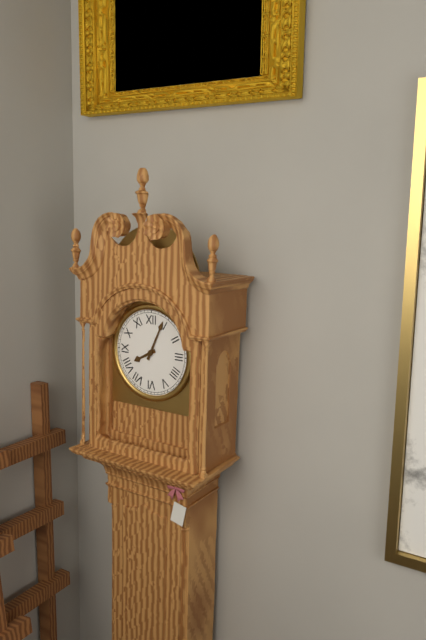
8h04
